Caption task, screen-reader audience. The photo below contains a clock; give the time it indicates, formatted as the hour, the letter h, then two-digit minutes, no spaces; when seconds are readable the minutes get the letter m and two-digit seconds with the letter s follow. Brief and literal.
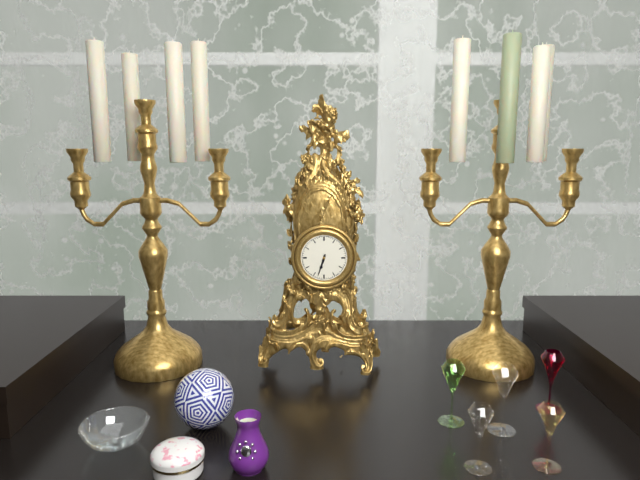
6h33
